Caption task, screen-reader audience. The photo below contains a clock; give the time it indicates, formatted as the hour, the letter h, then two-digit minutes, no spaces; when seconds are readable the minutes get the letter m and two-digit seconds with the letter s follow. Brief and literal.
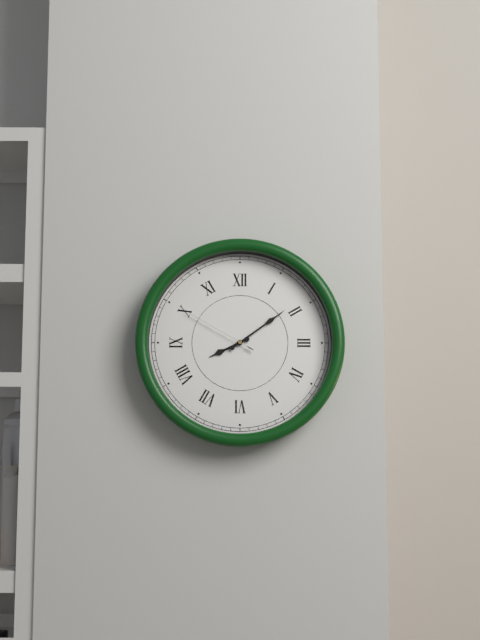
8h09m50s
